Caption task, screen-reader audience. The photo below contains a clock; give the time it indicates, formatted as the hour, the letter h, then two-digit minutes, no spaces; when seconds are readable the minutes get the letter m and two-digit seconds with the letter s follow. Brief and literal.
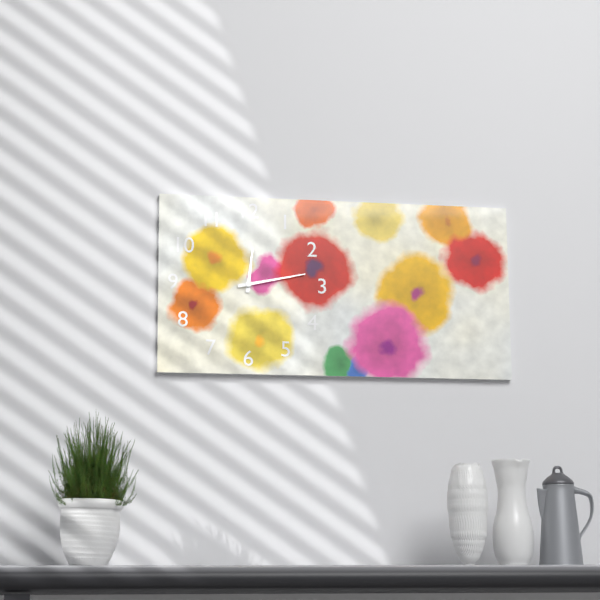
12h13
